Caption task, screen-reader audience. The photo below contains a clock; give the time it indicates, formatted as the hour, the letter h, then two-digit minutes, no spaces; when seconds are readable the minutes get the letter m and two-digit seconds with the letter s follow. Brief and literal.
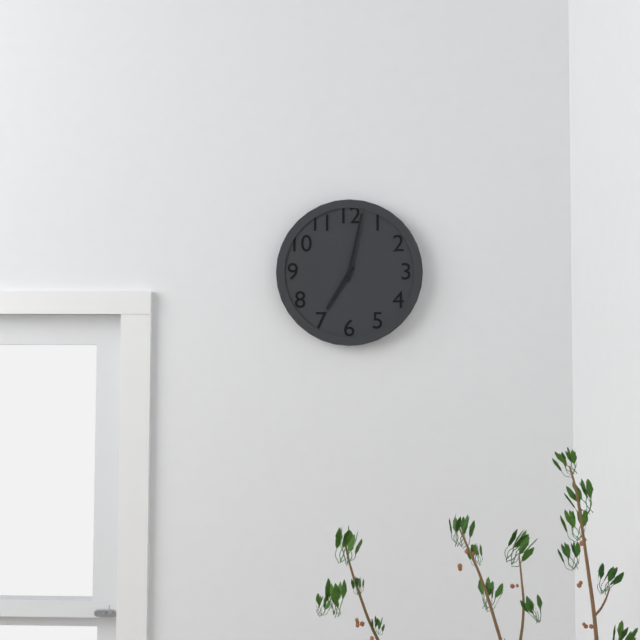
7h02
